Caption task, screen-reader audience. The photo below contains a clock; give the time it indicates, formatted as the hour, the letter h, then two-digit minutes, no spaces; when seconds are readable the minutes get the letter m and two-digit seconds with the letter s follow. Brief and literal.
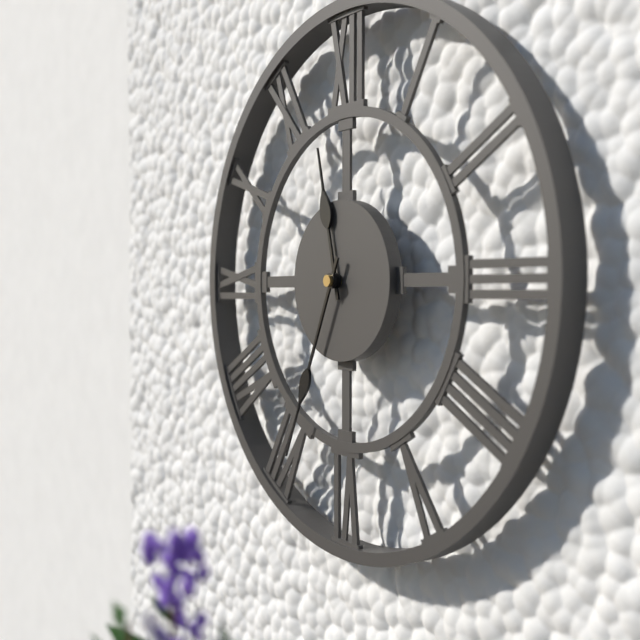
11h34
